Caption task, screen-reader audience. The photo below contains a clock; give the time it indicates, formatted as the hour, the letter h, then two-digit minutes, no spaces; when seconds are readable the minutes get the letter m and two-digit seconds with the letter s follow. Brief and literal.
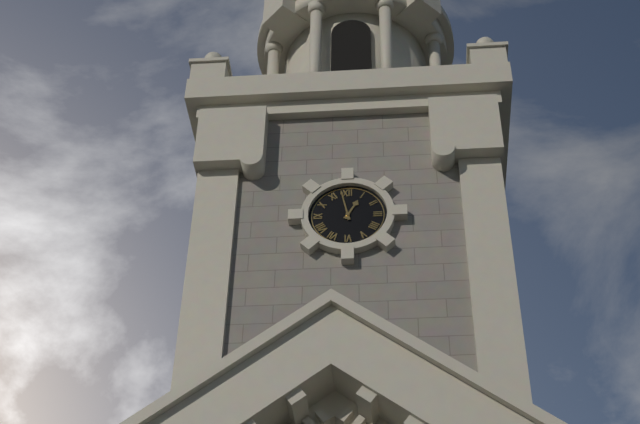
12h58
